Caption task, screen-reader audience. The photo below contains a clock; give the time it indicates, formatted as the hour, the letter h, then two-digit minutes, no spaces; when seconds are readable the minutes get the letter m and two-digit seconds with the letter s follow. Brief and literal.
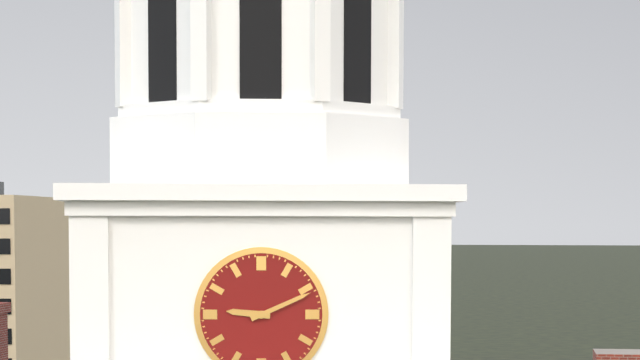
9h11
